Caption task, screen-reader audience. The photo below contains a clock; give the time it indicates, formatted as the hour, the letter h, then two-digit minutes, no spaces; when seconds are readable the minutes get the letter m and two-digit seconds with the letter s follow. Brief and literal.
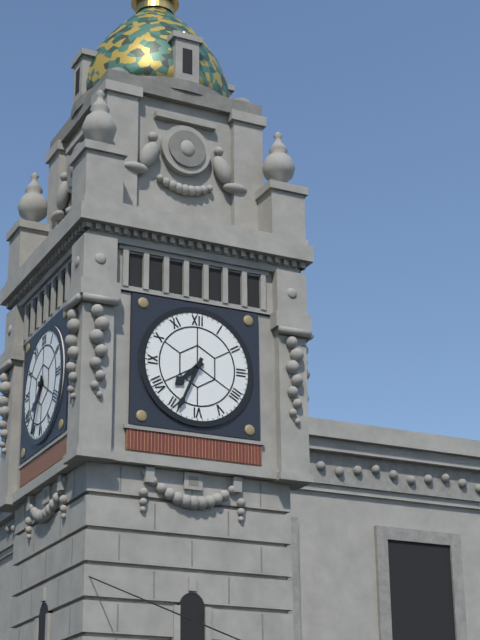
7h34
